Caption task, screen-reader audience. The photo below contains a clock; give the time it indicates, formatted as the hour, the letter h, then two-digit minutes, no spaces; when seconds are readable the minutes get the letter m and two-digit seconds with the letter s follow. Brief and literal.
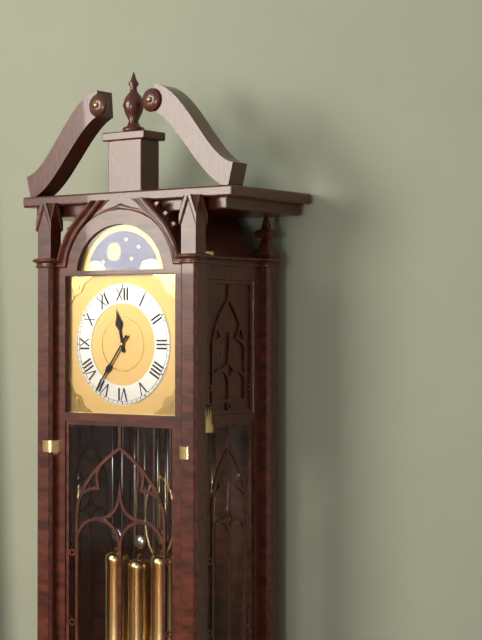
11h36
